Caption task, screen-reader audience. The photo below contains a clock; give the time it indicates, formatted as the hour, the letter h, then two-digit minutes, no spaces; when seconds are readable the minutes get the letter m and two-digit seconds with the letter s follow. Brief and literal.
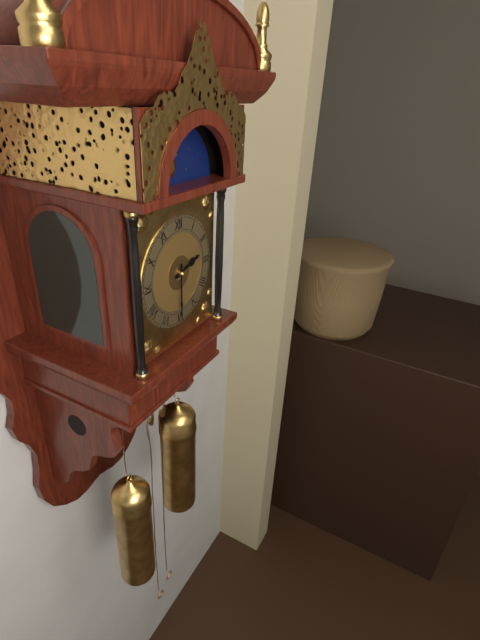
2h30
